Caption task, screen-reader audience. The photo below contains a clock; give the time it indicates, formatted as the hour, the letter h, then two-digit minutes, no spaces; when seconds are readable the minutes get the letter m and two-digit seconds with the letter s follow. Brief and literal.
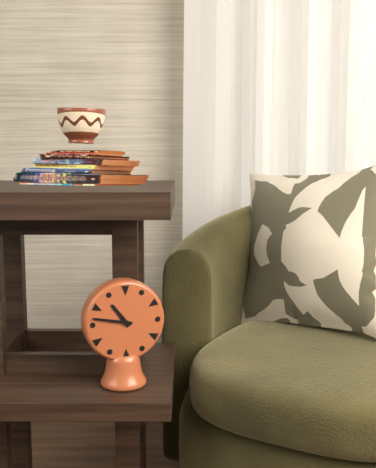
10h47
